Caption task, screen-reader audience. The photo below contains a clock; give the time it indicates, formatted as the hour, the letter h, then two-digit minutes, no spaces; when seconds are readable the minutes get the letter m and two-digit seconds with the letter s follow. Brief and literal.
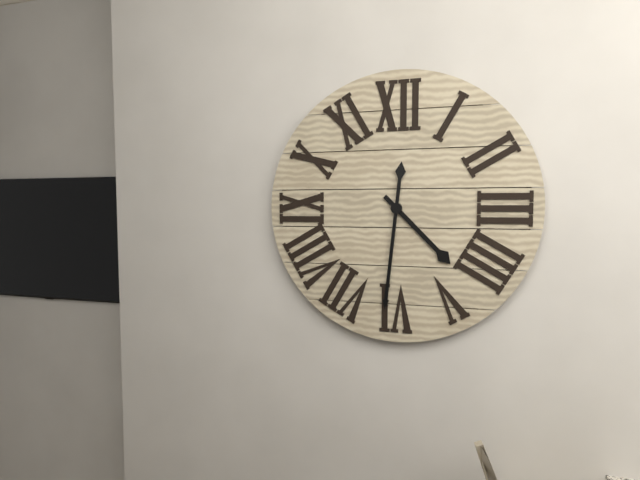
4h31
